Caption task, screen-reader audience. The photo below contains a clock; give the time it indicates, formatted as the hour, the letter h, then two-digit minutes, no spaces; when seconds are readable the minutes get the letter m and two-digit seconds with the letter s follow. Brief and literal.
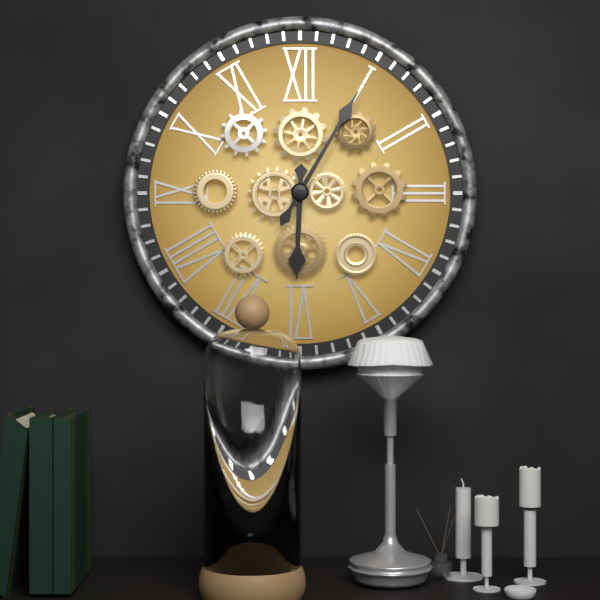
6h05
